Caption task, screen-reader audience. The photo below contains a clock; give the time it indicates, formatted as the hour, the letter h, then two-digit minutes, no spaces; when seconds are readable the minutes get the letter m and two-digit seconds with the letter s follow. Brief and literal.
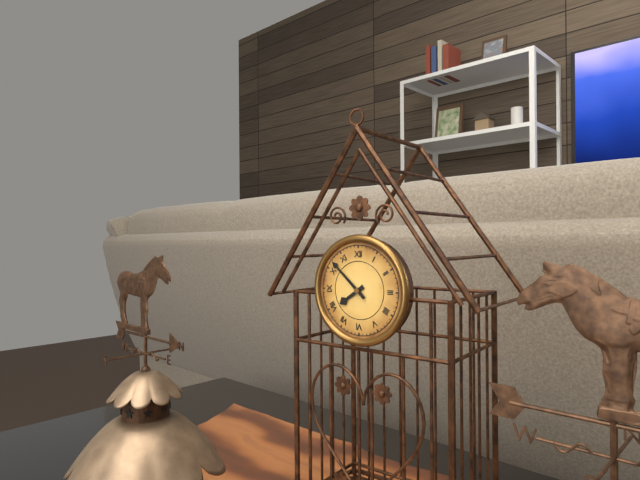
7h52
